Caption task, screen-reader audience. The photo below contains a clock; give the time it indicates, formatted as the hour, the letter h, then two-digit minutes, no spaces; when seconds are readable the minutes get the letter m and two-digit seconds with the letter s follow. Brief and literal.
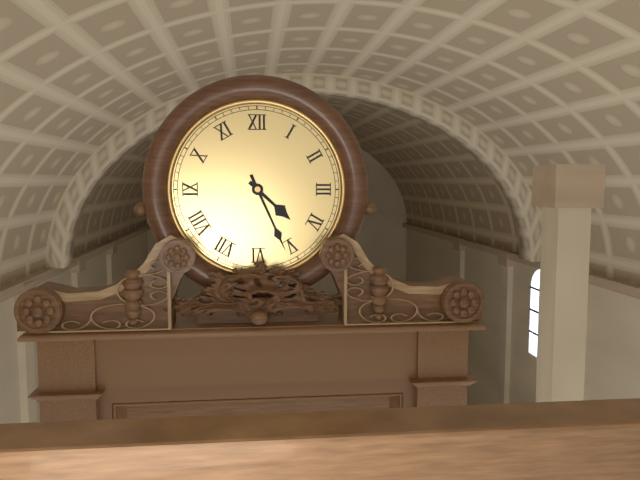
4h26
